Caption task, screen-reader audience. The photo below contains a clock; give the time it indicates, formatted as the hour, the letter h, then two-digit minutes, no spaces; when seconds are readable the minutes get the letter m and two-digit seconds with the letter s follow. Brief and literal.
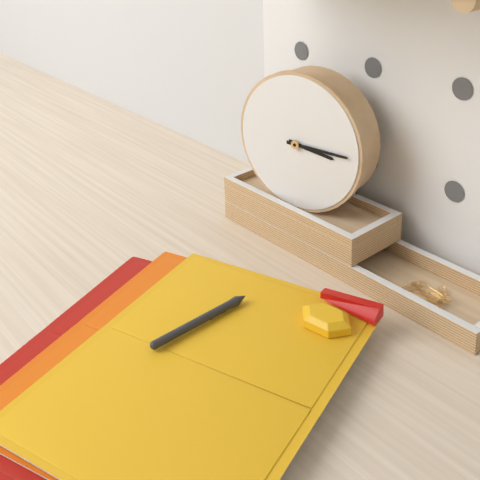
3h15
